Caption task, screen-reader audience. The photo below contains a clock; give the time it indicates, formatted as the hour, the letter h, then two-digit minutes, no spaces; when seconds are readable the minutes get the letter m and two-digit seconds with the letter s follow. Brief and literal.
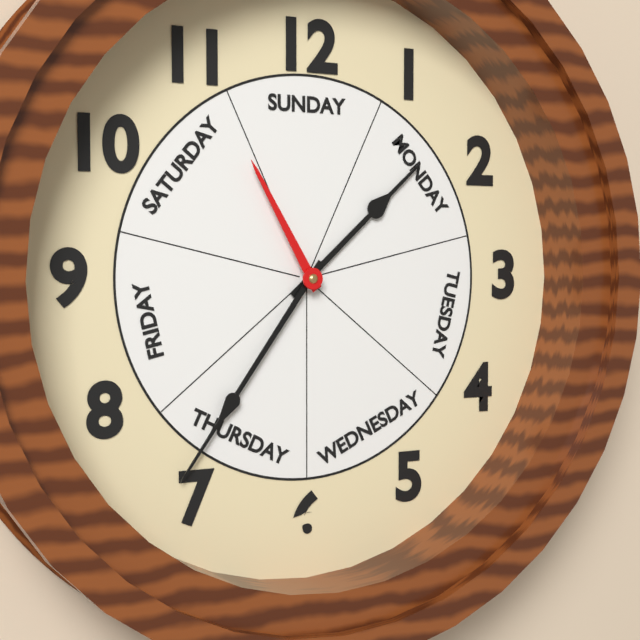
1h36m55s
